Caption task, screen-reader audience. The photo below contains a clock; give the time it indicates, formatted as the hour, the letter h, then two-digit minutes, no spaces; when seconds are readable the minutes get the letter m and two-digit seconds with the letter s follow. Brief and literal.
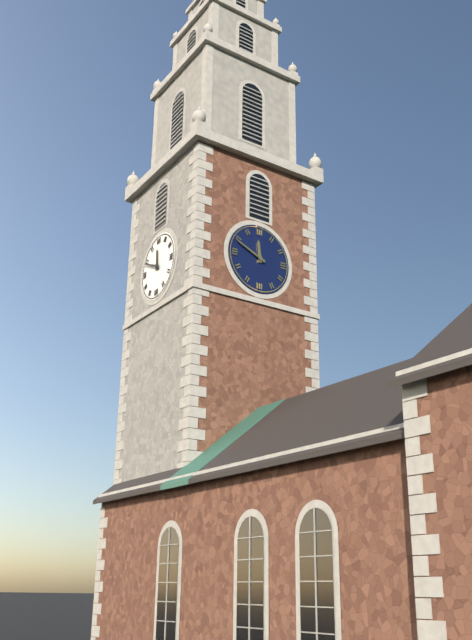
11h49
